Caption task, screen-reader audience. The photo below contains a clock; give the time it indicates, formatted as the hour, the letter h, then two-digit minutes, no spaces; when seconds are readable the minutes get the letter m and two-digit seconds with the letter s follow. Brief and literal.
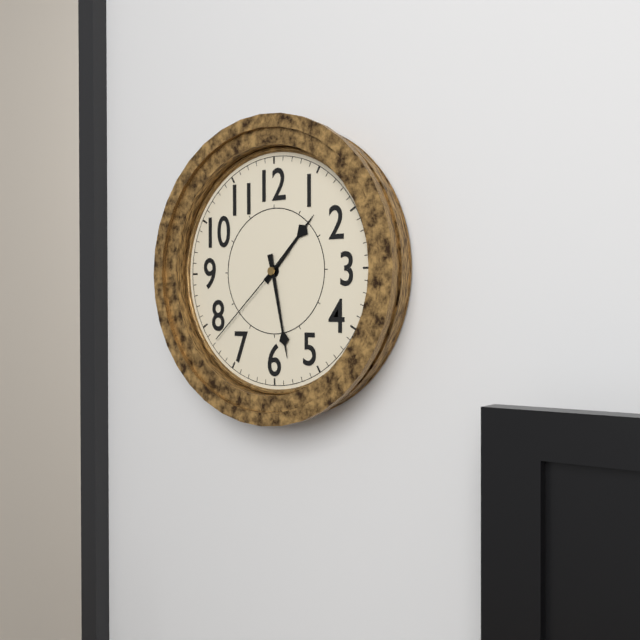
1h28m38s
